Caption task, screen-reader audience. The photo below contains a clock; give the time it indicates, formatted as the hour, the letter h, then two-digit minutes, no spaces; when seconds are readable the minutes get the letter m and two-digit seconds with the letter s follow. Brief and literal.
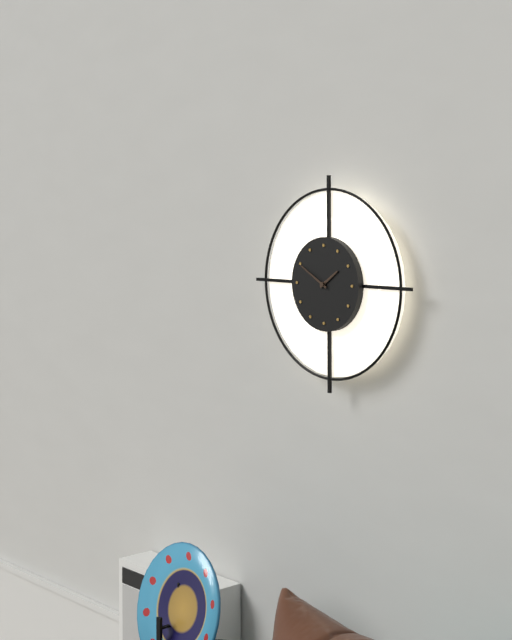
1h50
